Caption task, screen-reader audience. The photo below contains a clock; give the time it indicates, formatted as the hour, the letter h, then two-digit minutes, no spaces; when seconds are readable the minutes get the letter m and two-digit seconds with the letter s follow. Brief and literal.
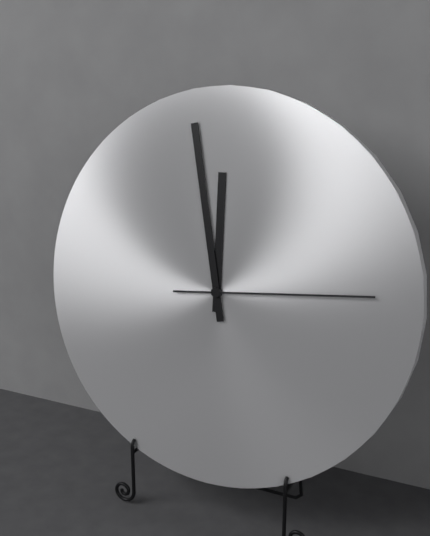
11h58m14s
